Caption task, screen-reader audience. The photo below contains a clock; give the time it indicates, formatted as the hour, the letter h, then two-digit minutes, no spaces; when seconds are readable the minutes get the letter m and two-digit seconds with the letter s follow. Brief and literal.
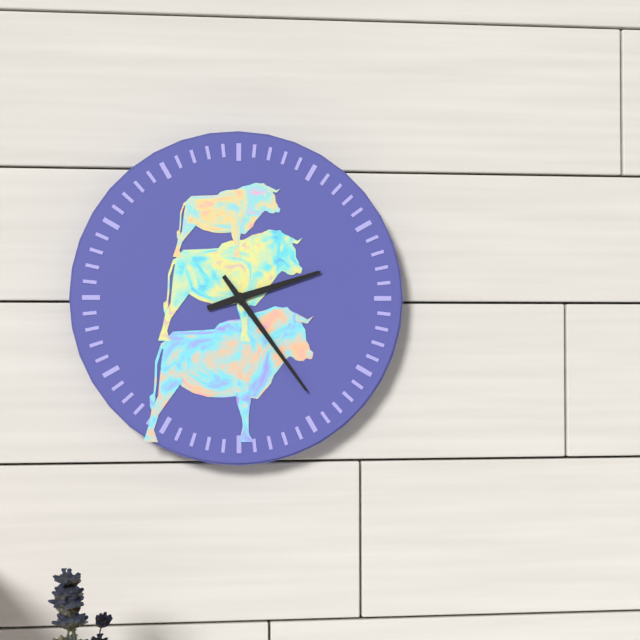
2h24
